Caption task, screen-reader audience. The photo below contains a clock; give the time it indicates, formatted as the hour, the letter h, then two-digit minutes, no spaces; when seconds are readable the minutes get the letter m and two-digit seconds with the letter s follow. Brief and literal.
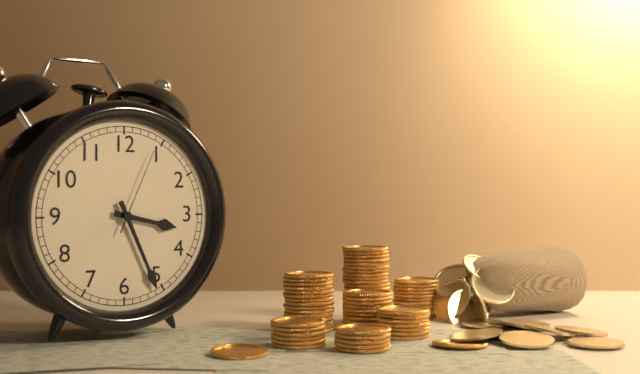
3h26m04s
